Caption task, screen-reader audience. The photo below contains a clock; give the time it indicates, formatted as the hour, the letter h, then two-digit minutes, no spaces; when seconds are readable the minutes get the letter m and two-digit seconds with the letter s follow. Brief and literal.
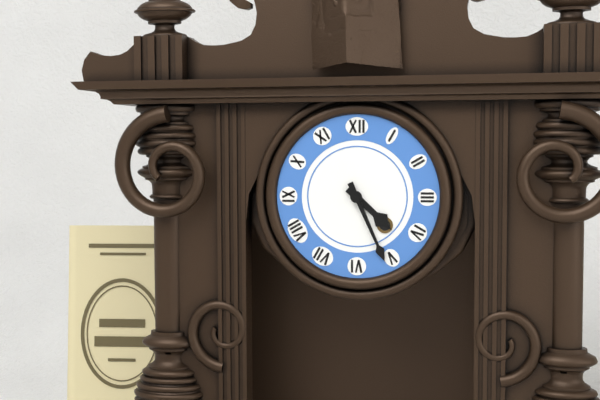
4h26
